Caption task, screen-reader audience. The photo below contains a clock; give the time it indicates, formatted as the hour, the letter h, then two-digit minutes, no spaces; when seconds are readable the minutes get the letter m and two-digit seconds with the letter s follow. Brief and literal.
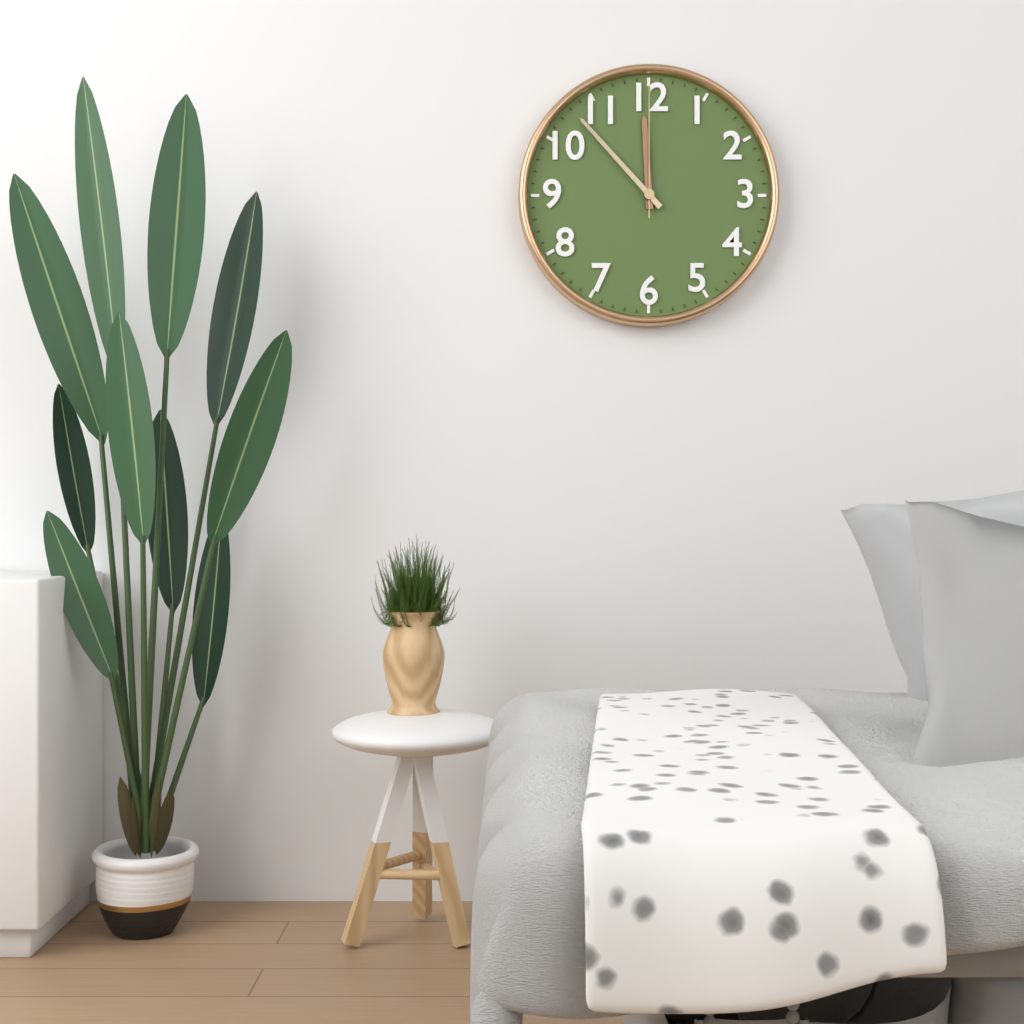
11h53m00s
